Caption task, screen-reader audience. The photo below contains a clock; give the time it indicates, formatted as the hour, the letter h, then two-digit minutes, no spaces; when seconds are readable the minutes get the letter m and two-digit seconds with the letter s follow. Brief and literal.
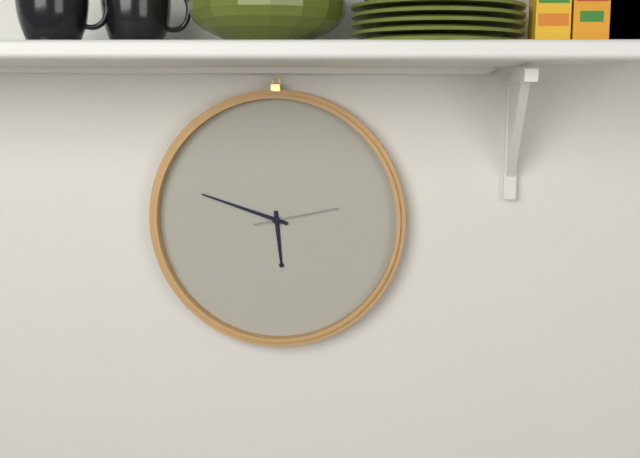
5h48m13s
